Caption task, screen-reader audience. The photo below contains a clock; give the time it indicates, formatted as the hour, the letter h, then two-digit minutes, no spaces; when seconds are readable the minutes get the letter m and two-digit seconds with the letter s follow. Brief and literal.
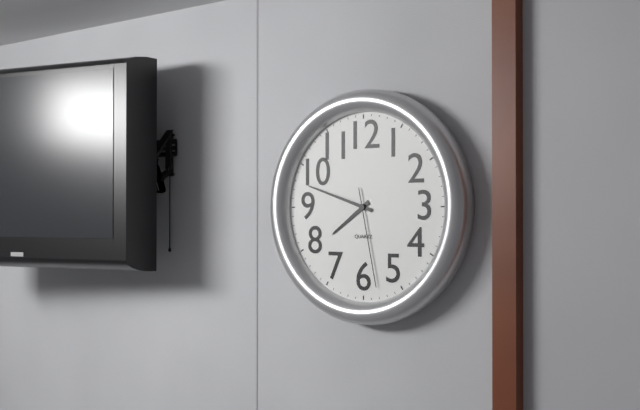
7h48m28s
